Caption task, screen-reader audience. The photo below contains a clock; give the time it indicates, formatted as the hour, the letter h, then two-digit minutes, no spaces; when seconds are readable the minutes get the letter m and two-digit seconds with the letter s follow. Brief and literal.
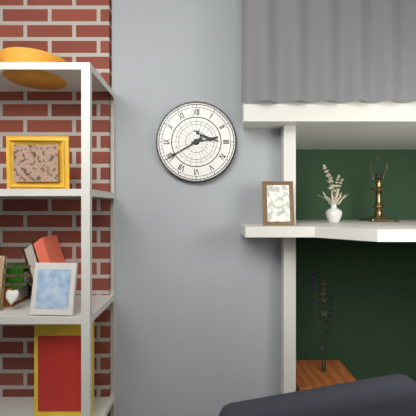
2h40
